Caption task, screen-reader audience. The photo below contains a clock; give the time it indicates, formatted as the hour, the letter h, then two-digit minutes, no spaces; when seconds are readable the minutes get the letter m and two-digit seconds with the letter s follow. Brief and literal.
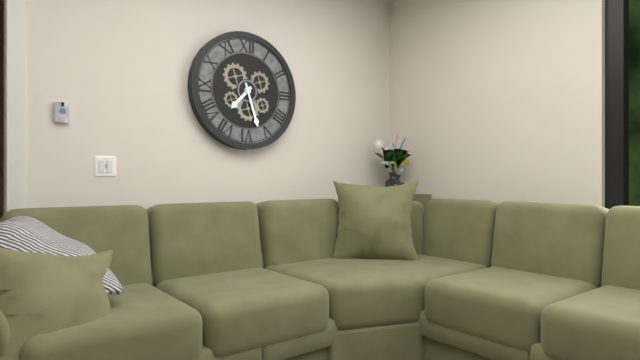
7h27
